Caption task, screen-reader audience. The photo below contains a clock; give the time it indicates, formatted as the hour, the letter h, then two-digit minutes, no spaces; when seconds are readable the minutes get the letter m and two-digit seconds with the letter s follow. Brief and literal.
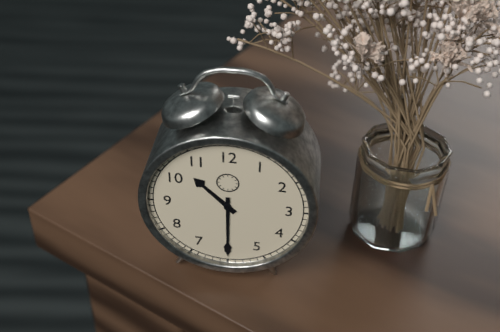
10h30
